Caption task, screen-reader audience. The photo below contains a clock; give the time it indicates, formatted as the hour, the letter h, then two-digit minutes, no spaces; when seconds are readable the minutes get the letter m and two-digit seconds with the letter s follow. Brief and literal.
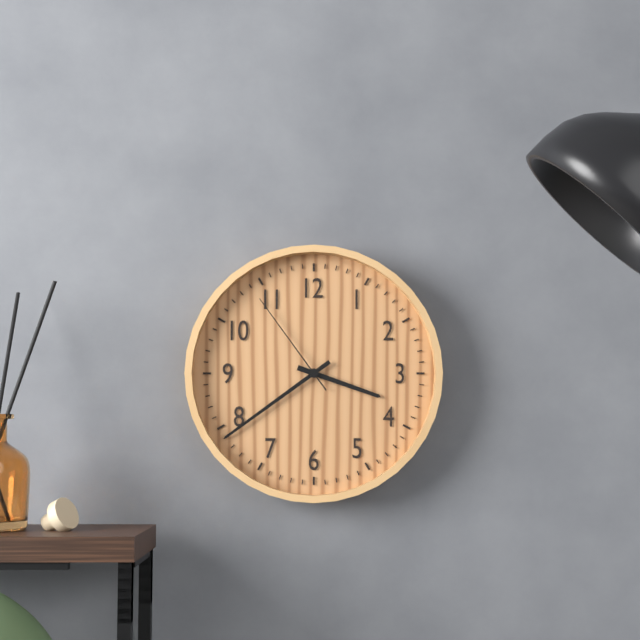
3h39m54s
